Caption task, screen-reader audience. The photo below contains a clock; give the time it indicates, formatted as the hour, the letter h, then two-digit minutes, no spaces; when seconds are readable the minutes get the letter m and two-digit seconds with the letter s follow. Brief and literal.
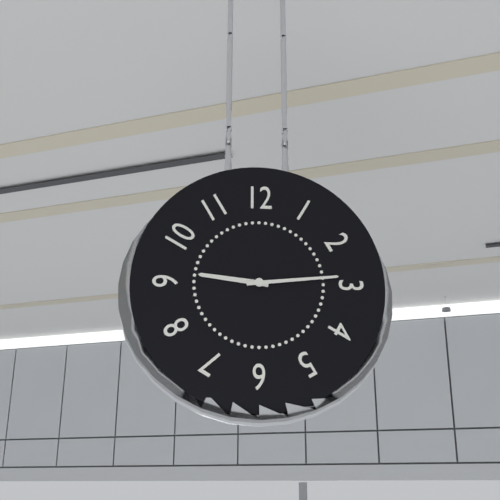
9h14
